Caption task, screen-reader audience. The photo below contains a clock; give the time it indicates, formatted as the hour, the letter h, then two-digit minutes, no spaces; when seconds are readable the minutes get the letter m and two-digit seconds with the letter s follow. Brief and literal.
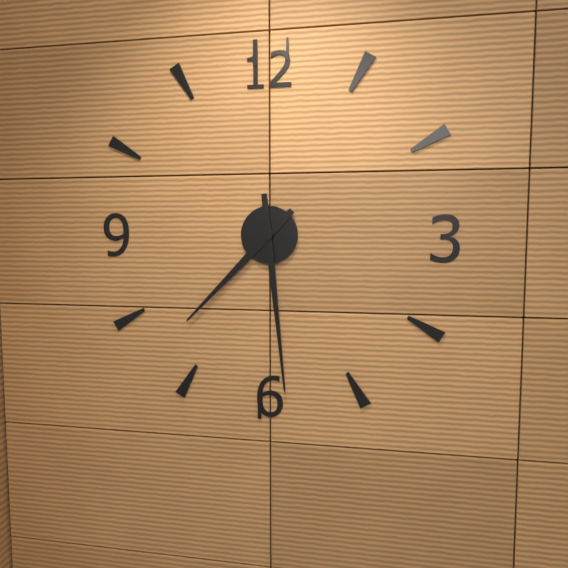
7h29
